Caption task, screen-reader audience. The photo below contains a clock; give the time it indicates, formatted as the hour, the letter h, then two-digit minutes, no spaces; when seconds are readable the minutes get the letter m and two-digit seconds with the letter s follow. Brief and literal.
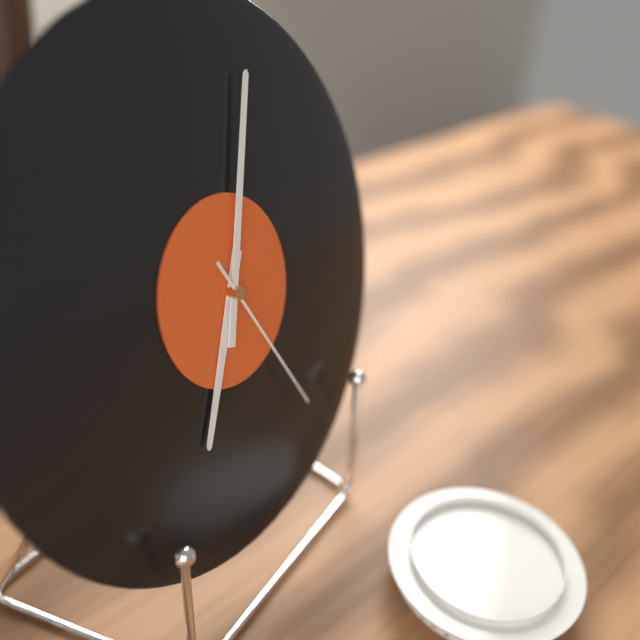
7h04m26s
